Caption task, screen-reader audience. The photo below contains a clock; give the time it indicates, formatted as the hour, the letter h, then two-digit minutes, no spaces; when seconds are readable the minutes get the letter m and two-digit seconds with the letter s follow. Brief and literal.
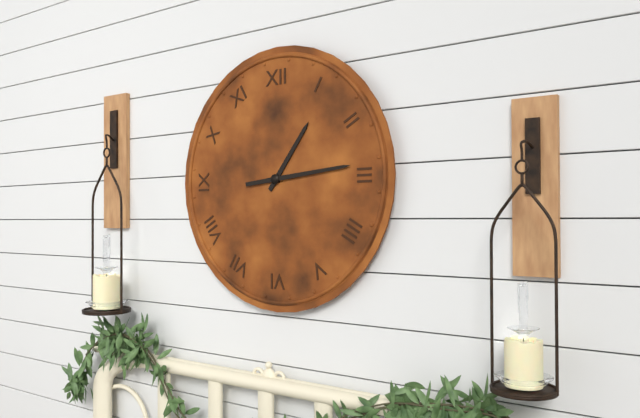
1h14
